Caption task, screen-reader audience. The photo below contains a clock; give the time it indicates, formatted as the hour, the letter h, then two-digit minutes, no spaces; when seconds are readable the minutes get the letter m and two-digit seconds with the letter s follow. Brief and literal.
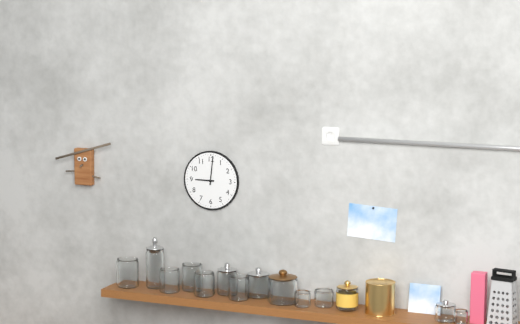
9h01
